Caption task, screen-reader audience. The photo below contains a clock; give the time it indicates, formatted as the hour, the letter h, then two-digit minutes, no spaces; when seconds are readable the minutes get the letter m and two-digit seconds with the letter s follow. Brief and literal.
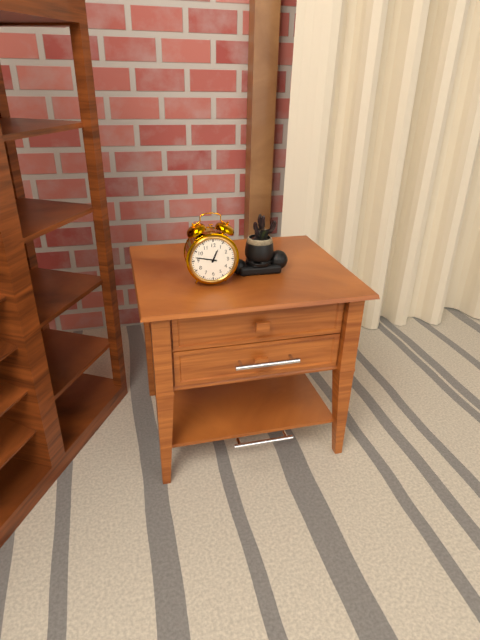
12h47
